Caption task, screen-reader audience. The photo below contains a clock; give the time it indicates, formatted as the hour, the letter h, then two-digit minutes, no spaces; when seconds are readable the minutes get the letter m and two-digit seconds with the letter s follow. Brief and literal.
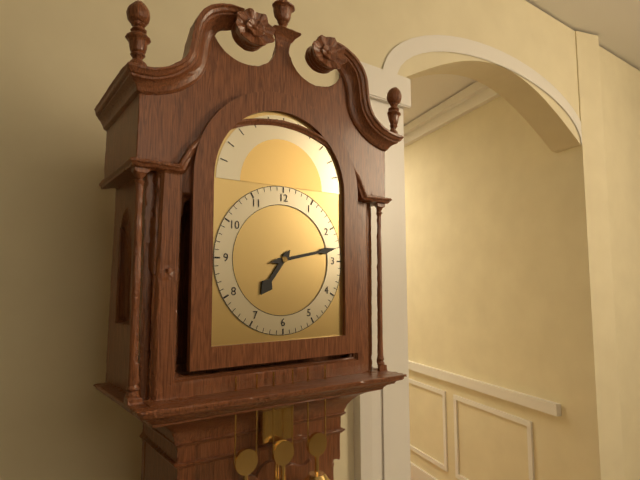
7h13
